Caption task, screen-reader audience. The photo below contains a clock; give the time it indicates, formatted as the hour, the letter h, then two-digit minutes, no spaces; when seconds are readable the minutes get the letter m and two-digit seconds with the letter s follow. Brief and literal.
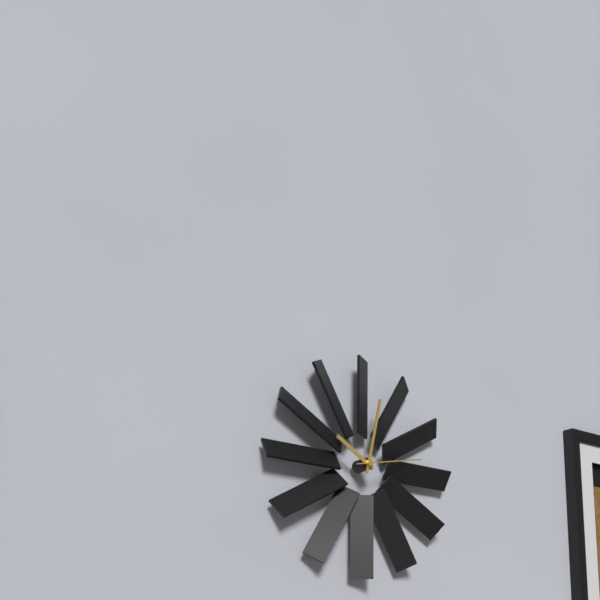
10h02m13s
